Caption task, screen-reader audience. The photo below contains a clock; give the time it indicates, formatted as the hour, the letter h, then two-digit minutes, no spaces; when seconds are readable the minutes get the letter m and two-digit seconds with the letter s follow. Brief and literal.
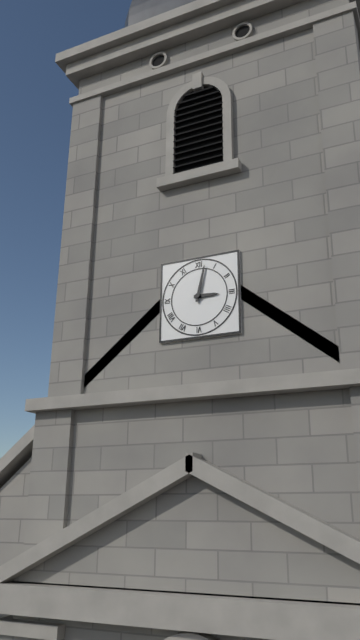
3h02
